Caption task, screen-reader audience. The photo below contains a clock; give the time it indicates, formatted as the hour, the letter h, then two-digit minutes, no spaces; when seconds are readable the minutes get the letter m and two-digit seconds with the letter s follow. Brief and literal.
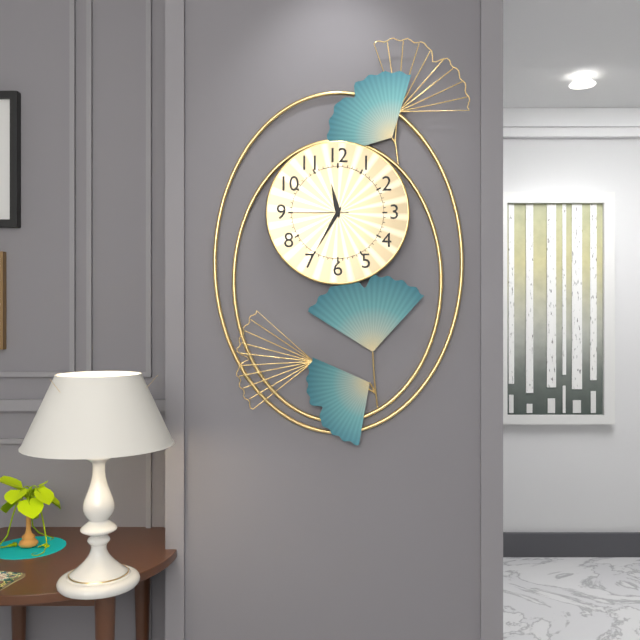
11h35m45s
